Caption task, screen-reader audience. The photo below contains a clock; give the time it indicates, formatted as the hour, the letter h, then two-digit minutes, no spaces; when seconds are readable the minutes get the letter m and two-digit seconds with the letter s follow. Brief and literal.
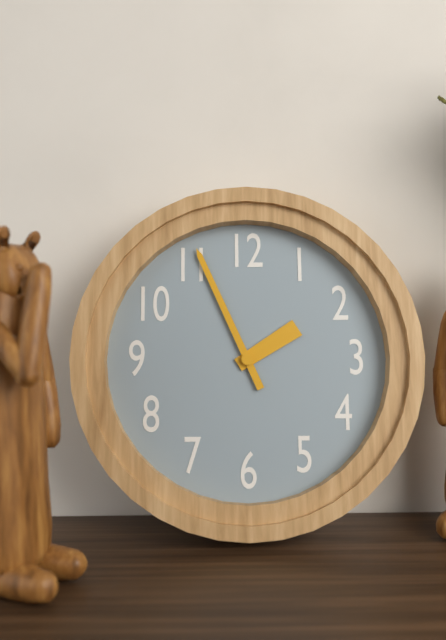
1h56
